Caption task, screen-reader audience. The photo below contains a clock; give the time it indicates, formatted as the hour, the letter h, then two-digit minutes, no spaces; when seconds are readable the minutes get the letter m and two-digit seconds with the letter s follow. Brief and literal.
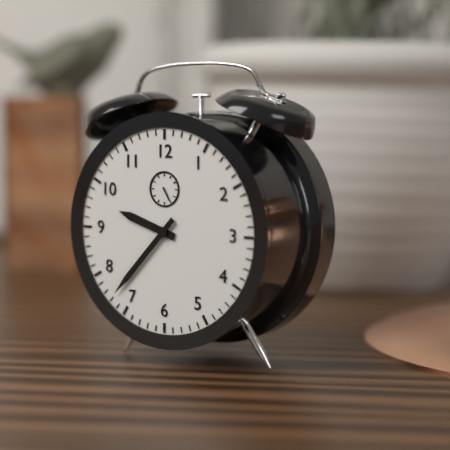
9h37
